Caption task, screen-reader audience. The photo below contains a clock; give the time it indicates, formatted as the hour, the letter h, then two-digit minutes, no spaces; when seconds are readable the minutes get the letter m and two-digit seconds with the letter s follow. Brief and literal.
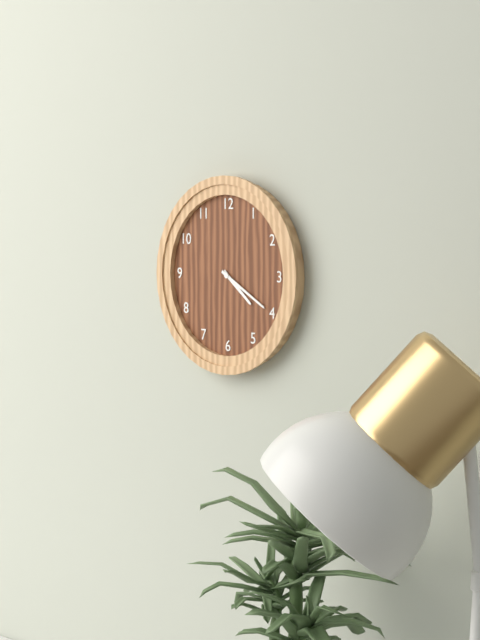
4h20
